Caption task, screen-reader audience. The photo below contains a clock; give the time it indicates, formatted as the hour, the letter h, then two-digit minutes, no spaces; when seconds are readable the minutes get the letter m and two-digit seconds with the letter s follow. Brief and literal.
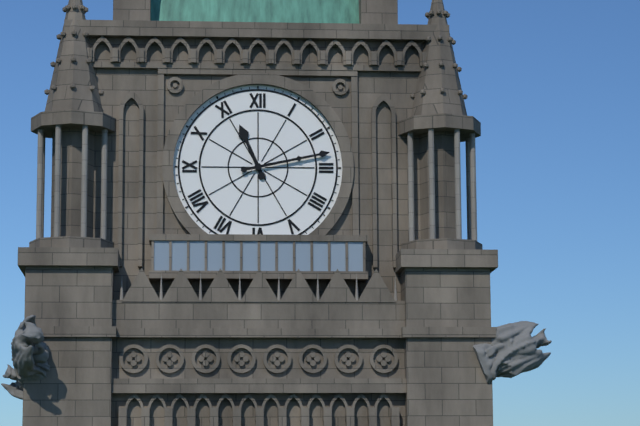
11h13
